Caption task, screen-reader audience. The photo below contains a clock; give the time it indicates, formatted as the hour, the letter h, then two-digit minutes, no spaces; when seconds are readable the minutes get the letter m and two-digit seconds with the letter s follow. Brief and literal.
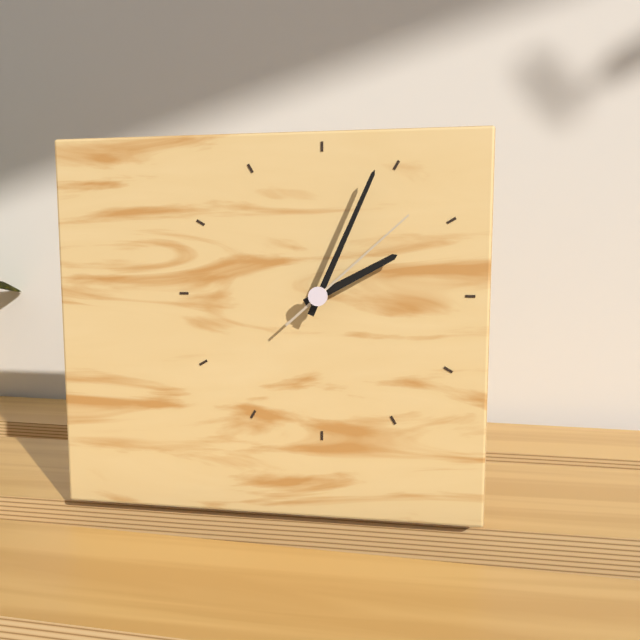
2h04m08s
